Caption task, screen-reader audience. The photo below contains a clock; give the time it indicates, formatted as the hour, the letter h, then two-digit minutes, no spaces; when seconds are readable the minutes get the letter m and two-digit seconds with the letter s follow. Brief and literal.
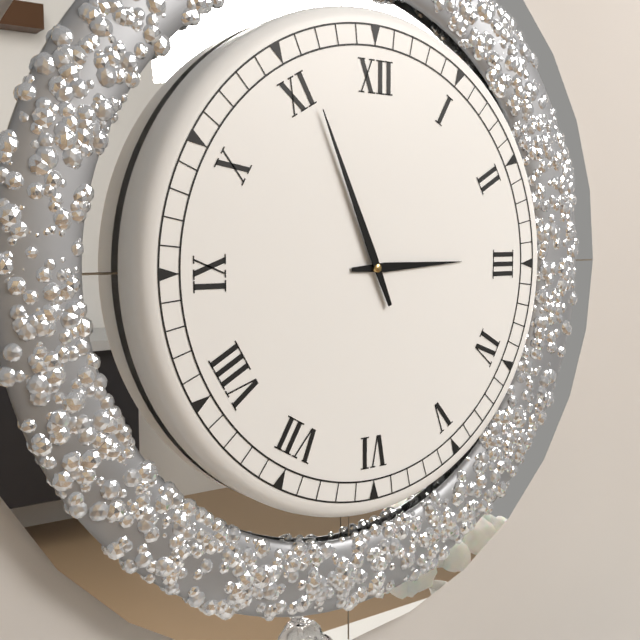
2h56
